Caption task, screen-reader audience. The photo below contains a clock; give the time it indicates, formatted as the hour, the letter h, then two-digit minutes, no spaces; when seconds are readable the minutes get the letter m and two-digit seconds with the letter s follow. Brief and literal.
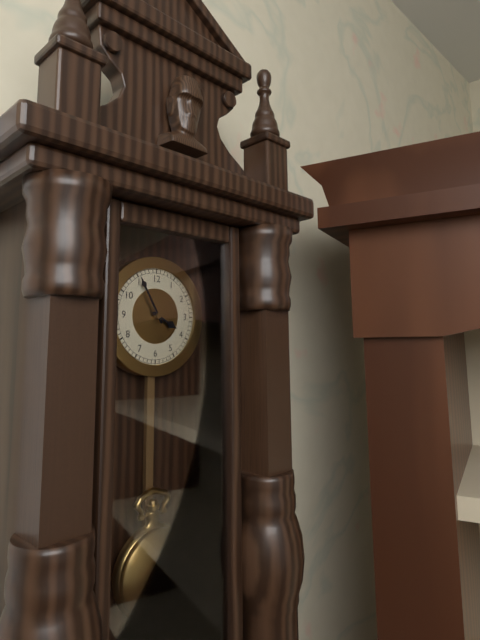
3h55
